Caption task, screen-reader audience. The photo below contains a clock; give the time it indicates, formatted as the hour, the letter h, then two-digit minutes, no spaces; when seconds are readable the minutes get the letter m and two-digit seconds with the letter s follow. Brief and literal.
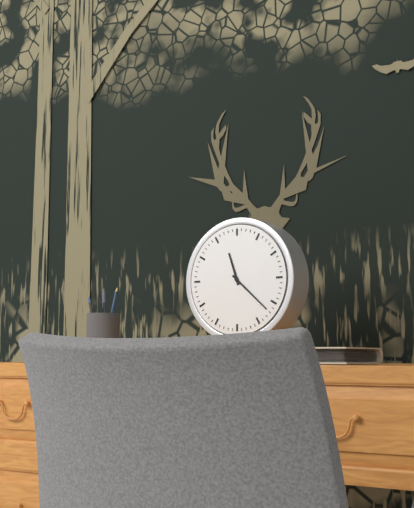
11h22
